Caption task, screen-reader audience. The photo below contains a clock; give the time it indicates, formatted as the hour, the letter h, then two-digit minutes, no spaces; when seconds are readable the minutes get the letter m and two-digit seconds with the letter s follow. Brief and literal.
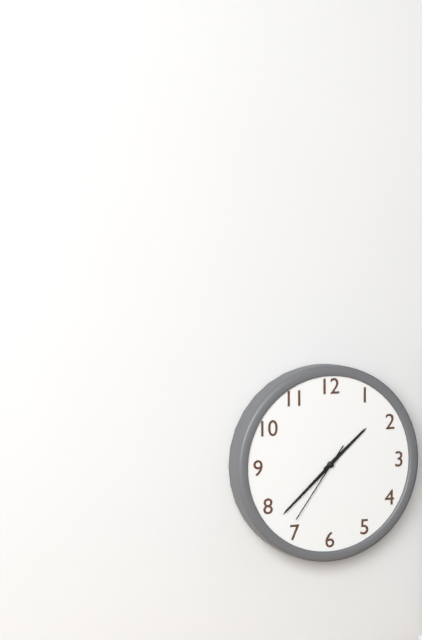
1h38m36s
